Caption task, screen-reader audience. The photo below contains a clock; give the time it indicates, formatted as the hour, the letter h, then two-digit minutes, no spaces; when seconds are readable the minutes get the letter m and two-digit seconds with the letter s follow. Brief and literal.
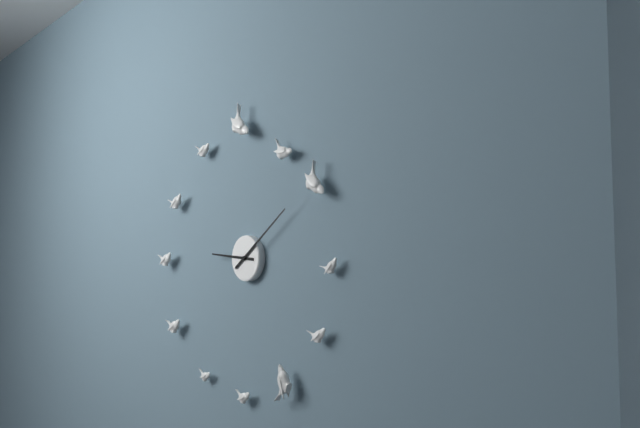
9h09
